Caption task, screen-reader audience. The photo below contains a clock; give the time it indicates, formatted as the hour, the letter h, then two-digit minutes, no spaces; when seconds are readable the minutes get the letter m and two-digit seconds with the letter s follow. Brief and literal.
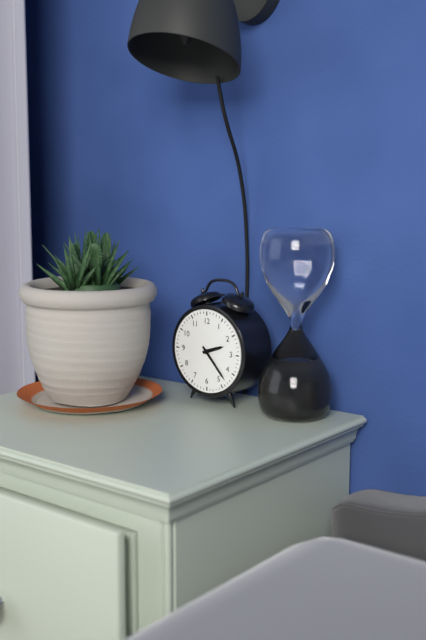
2h23
